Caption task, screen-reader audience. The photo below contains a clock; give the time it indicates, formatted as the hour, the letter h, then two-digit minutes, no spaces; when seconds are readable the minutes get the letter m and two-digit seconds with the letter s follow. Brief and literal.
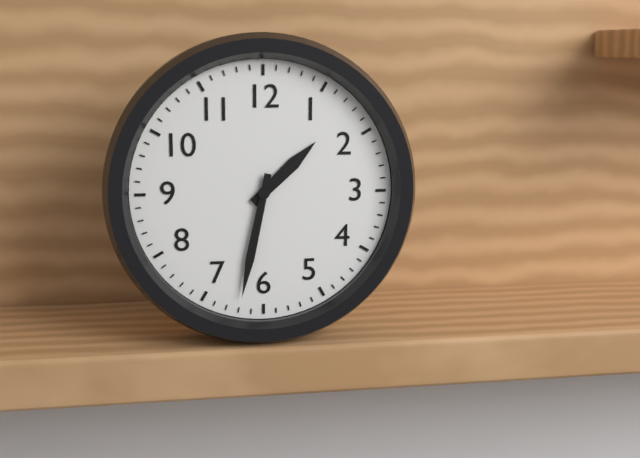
1h32
